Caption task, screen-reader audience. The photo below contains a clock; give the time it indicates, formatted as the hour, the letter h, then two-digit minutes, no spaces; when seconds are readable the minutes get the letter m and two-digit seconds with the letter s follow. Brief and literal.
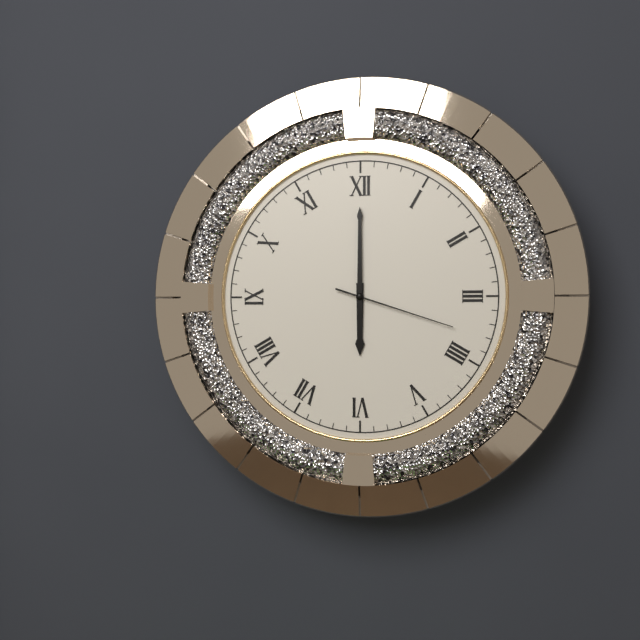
6h00m18s
